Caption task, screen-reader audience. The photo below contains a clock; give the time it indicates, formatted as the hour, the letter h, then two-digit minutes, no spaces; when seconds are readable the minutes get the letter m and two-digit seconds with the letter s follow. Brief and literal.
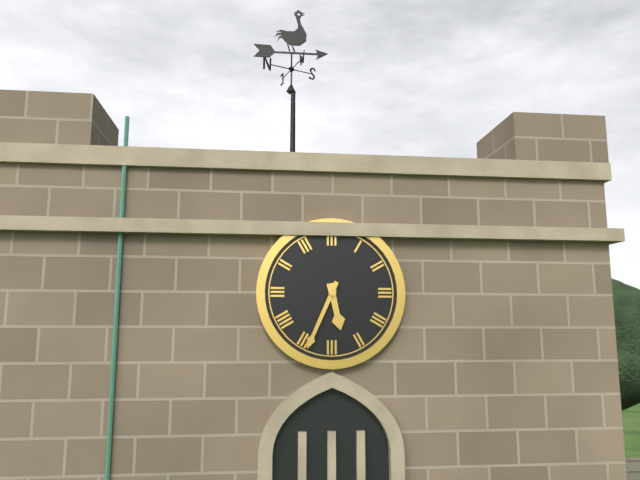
5h34
